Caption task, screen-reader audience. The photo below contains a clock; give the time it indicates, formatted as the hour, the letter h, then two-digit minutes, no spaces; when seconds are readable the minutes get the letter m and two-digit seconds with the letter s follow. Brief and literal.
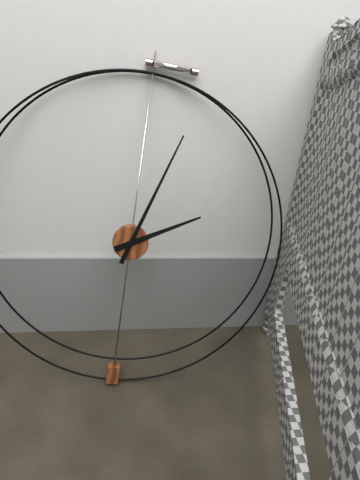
2h03
